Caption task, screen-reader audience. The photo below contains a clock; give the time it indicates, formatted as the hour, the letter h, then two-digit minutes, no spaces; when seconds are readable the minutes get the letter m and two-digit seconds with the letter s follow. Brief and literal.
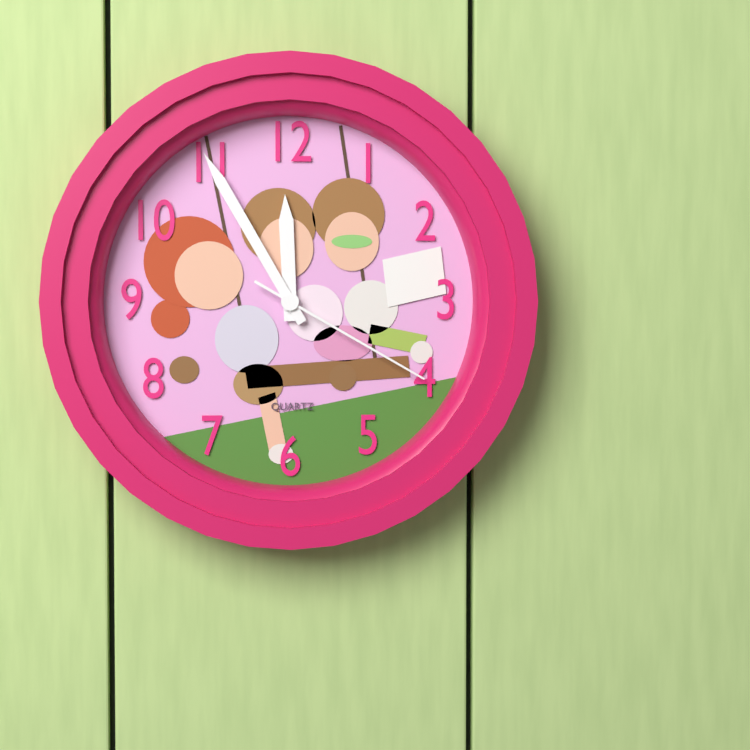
11h55m20s
